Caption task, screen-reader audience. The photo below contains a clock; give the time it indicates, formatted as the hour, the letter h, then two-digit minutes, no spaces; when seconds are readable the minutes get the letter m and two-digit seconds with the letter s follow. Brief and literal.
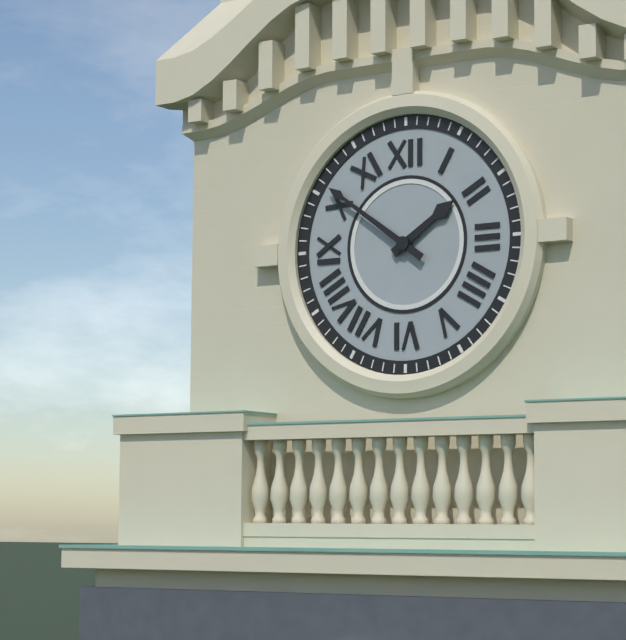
1h51
